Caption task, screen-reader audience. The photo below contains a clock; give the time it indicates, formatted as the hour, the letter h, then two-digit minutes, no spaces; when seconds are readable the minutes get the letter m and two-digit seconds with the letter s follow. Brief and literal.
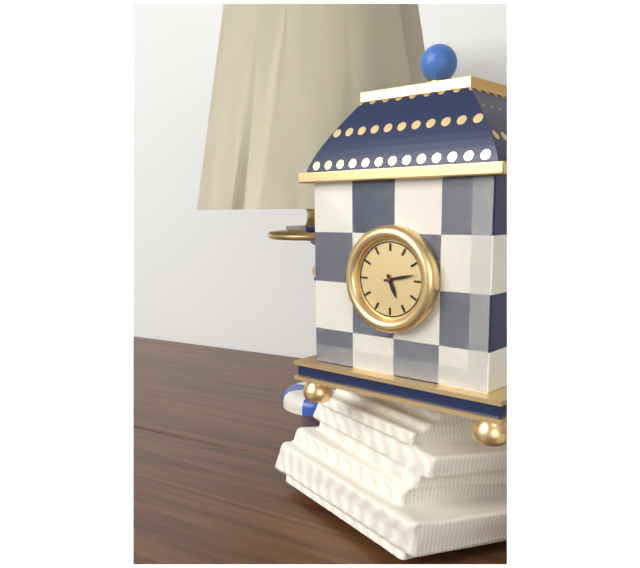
5h13
